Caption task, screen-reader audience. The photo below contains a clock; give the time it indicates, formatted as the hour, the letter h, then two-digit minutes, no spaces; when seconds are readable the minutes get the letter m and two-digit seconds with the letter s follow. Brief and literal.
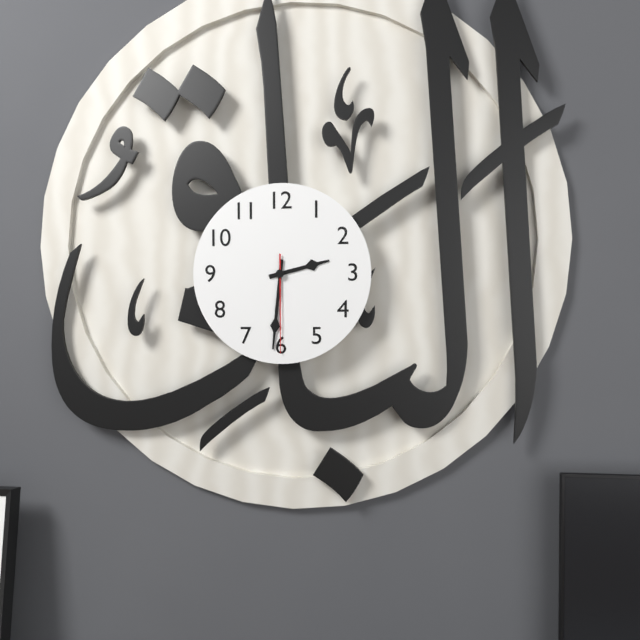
2h31m30s
